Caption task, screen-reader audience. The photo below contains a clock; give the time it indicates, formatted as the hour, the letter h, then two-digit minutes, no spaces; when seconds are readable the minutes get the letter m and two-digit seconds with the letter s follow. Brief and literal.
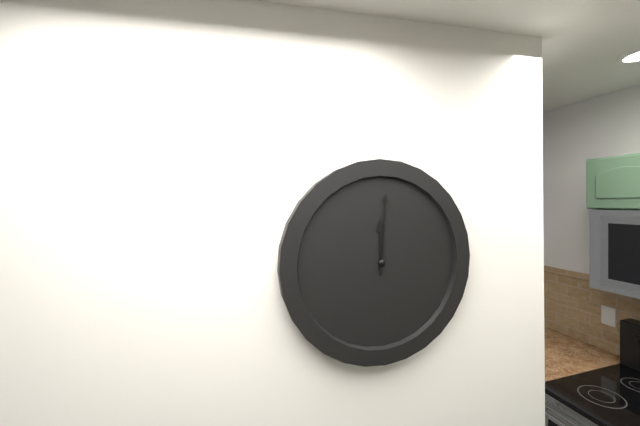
12h01
